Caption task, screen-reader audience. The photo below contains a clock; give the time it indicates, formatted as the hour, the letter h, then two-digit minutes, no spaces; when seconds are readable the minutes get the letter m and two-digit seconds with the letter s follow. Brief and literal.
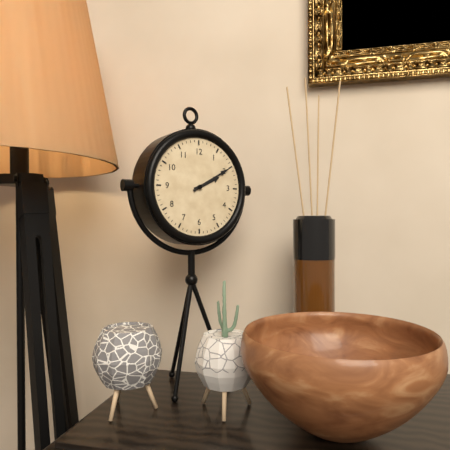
2h10
